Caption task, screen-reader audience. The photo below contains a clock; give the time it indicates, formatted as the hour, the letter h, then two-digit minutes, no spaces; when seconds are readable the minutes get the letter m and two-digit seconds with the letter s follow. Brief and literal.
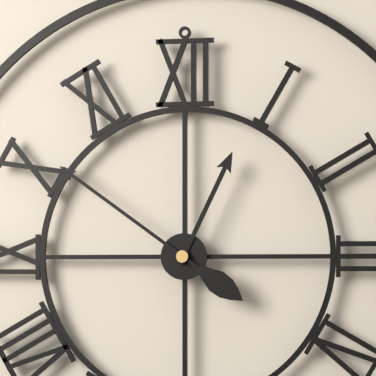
12h51
